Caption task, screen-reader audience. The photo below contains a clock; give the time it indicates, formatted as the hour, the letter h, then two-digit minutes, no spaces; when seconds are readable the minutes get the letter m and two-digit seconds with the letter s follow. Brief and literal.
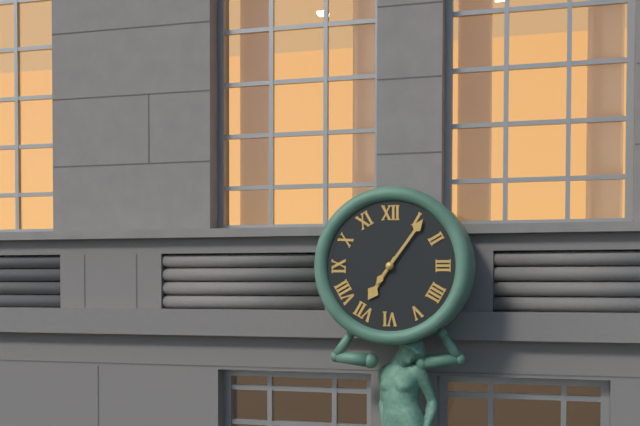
7h06
